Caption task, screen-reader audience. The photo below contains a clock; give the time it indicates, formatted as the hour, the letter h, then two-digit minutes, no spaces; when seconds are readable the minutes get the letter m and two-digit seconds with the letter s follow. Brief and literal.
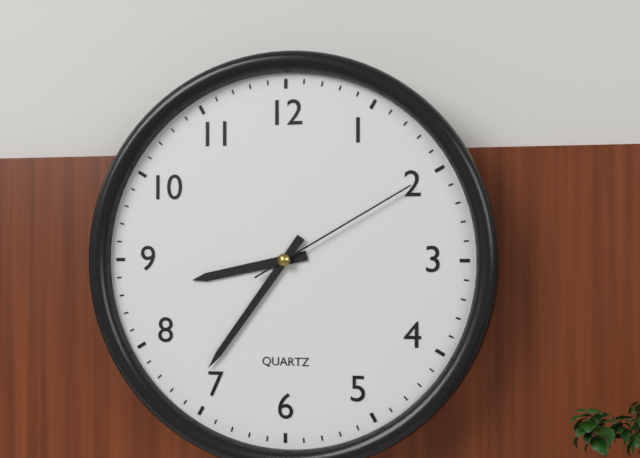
8h36m10s
